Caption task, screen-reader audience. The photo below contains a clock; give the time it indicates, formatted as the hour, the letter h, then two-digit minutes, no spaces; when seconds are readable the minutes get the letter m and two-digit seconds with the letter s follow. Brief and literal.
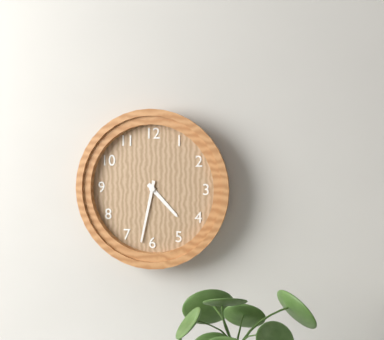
4h32
